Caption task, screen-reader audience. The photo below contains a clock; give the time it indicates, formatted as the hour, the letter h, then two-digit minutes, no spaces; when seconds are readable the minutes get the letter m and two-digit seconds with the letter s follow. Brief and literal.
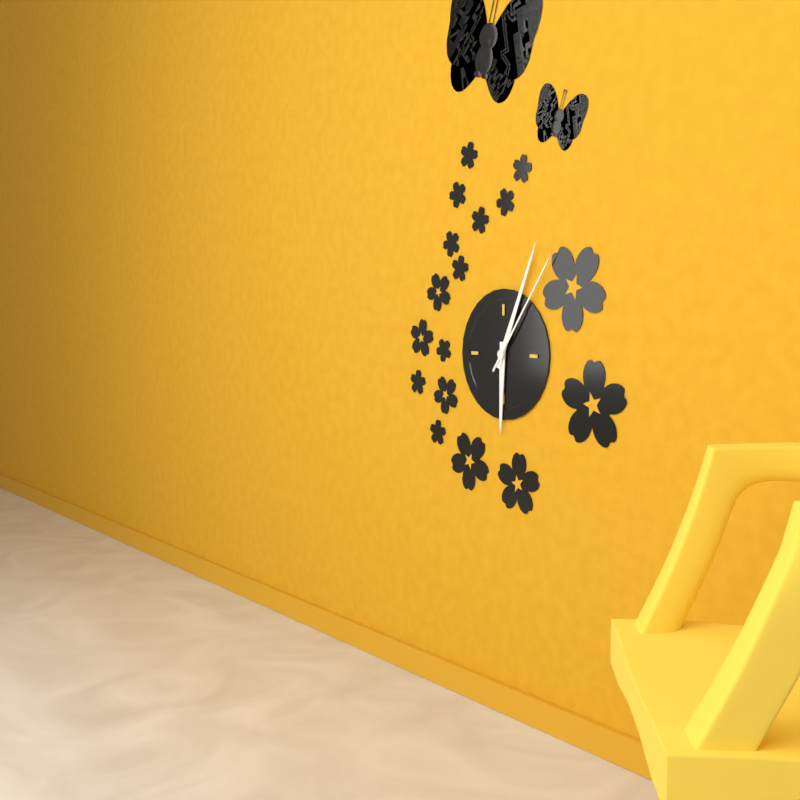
6h04m06s
